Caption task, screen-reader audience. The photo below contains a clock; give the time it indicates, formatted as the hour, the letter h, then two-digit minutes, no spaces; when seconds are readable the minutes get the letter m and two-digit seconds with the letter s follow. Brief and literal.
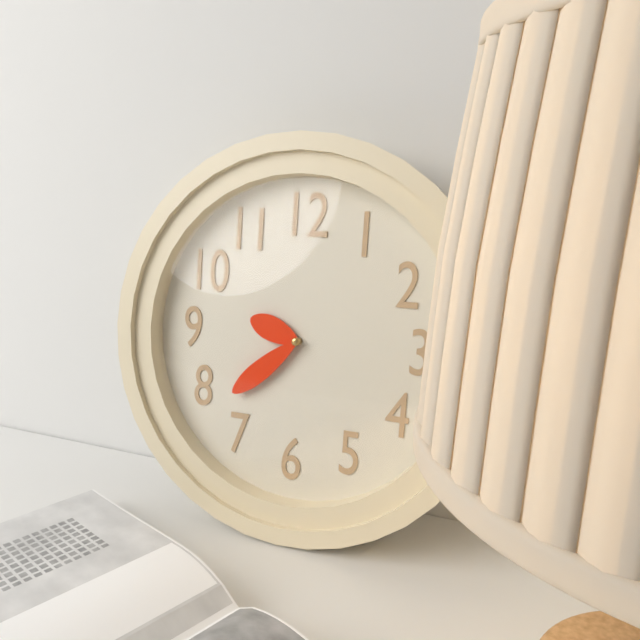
9h38
